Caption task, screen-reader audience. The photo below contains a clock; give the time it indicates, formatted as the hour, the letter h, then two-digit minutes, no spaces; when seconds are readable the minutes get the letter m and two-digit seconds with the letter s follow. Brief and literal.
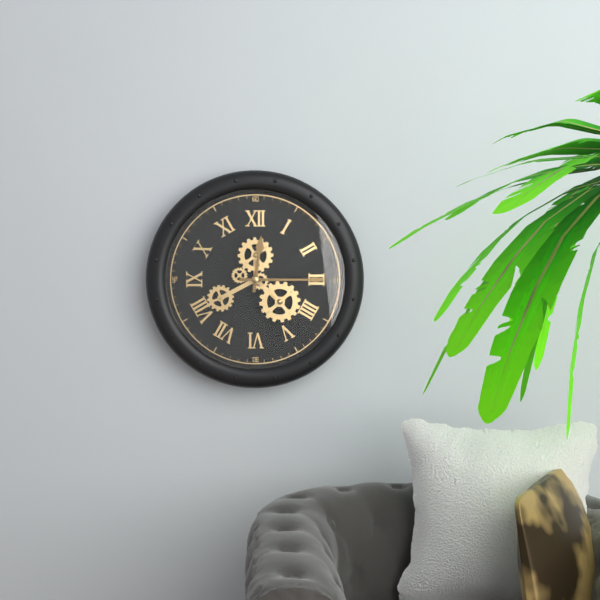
12h15
